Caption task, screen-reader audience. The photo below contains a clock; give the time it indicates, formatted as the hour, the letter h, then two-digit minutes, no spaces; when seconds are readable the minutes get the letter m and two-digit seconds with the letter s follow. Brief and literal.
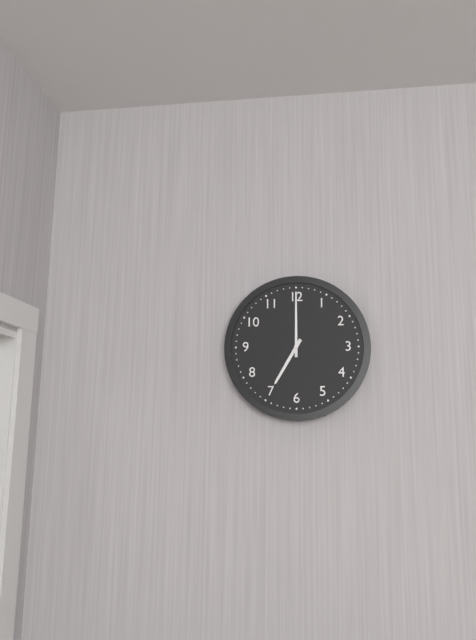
7h00
